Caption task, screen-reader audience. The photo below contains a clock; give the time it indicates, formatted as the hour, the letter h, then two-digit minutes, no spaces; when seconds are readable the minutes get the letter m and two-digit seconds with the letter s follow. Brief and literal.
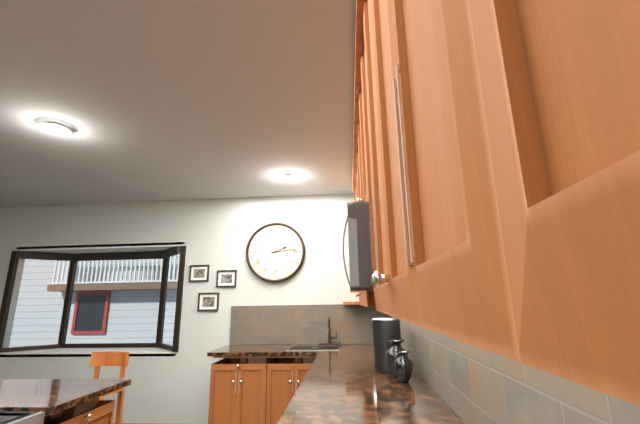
2h14
